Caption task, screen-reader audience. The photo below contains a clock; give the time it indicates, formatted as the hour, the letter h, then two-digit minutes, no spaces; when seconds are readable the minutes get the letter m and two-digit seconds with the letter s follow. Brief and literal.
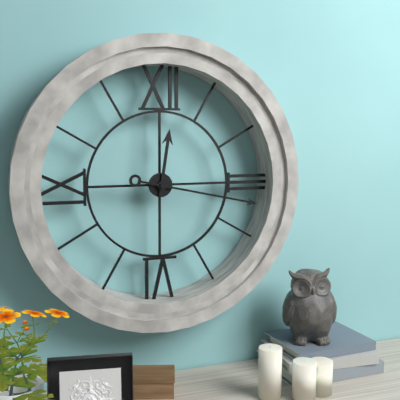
12h17
